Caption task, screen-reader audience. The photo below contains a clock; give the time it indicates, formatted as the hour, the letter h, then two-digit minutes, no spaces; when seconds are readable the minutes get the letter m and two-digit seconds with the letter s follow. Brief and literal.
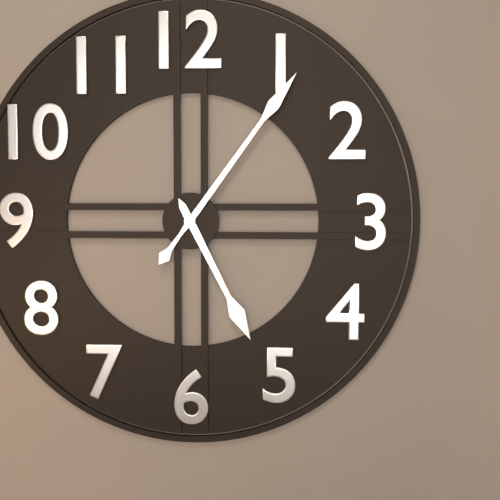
5h06
